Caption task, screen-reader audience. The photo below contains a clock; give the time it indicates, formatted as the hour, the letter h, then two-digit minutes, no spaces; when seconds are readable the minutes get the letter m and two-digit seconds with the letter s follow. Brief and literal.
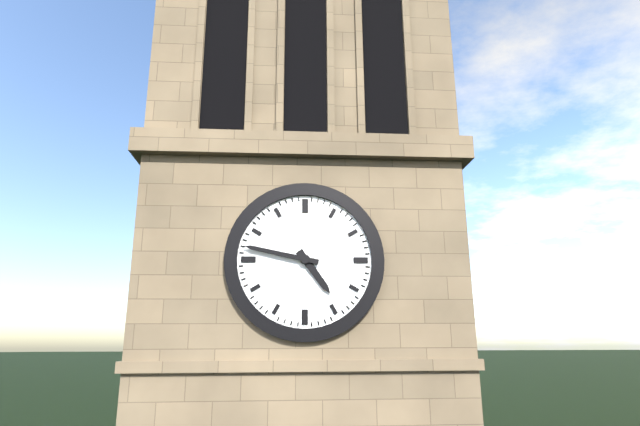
4h47
